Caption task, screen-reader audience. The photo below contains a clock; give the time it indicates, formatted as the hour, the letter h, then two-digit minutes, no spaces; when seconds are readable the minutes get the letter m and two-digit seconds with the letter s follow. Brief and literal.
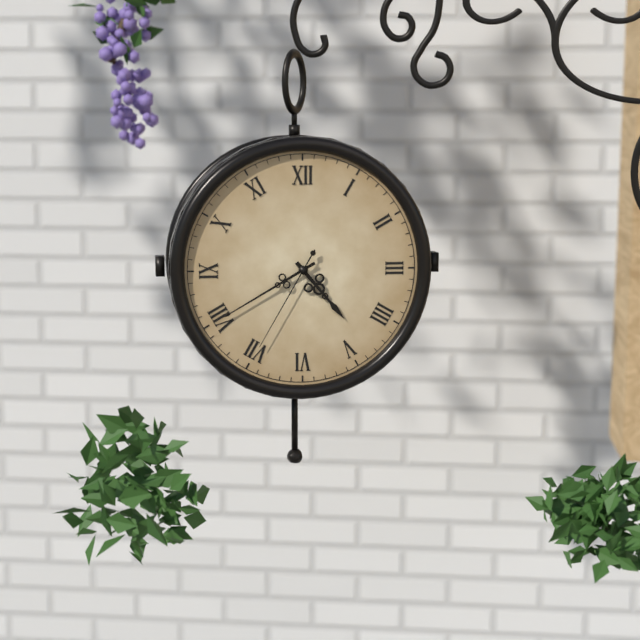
4h40m35s
